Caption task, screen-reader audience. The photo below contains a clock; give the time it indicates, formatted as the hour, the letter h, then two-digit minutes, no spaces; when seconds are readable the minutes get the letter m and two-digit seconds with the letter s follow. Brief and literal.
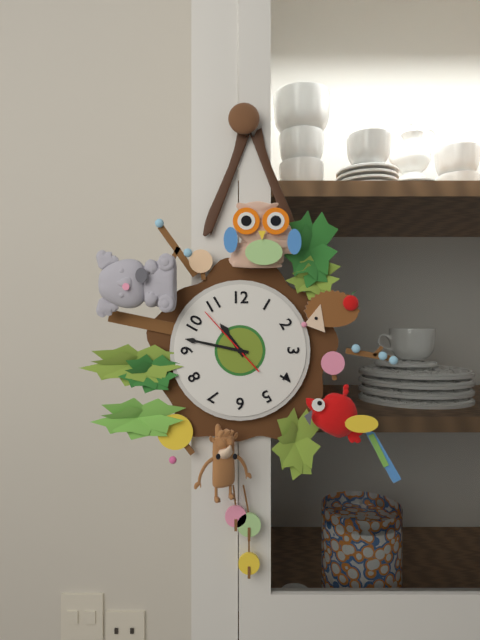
10h47m53s
